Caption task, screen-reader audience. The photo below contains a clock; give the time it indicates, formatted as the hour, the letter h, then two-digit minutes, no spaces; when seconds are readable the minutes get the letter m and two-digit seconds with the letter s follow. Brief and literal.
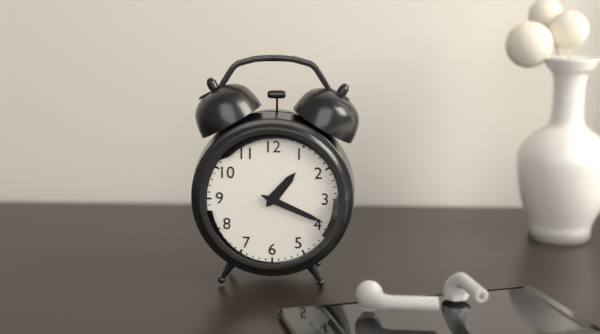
1h19
